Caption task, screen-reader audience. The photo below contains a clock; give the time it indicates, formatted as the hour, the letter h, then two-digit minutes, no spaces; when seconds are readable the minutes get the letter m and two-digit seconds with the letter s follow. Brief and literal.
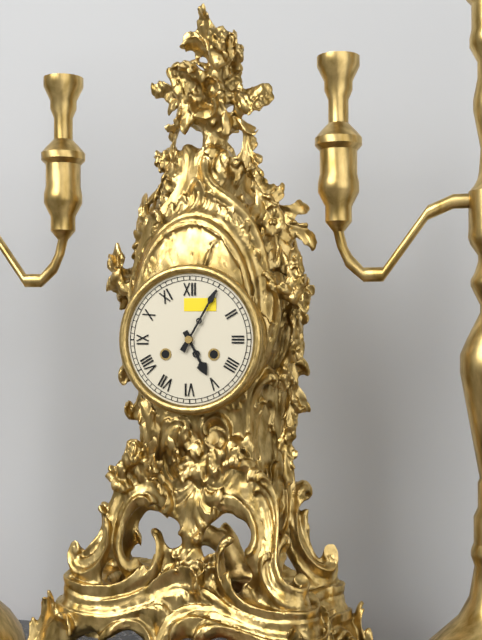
5h05
